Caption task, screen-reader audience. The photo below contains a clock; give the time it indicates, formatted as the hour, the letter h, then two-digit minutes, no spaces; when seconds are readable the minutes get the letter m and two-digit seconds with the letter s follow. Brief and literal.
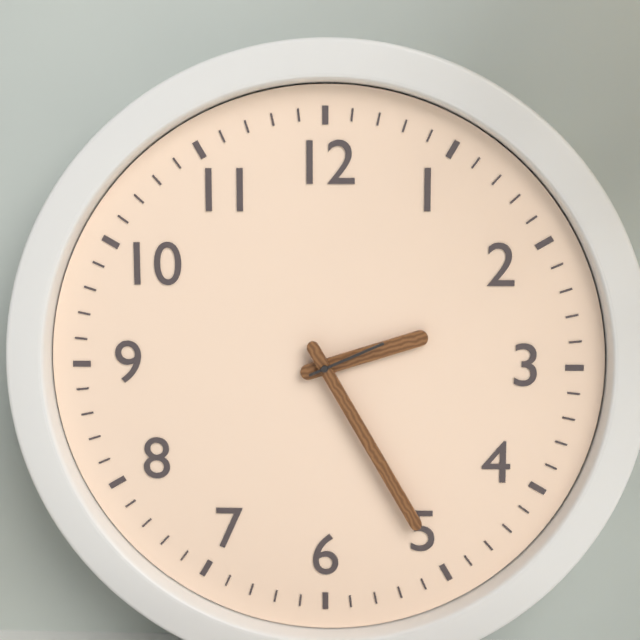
2h25m11s
